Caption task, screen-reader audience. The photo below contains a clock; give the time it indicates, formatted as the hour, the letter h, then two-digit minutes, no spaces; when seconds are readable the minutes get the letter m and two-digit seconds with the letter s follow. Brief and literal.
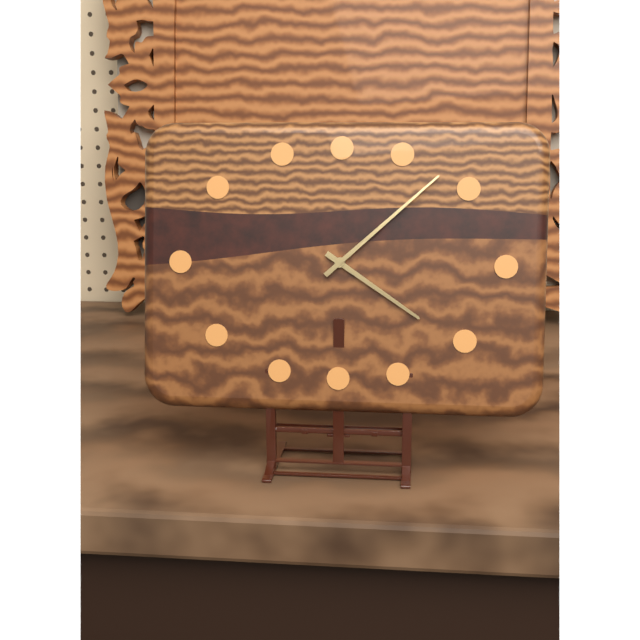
4h08
